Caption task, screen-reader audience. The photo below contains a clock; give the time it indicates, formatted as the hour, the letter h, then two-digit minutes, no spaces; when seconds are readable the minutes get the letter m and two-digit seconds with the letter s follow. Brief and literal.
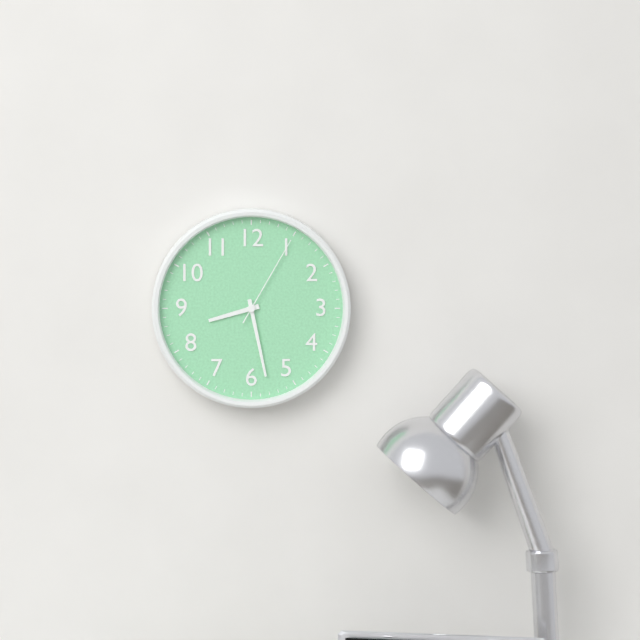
8h28m05s
